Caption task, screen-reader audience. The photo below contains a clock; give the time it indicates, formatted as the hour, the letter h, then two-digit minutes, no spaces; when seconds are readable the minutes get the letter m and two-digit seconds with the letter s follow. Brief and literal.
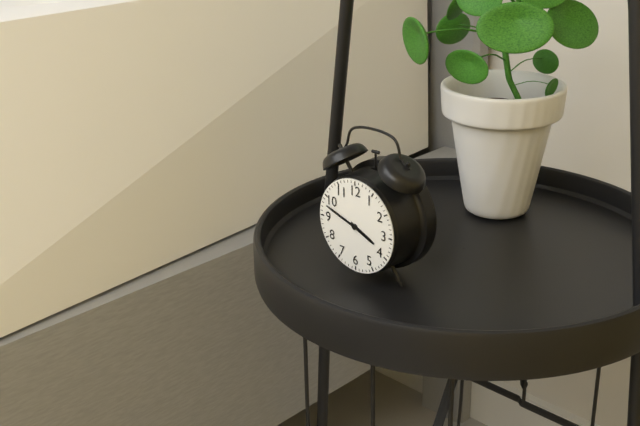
3h48
